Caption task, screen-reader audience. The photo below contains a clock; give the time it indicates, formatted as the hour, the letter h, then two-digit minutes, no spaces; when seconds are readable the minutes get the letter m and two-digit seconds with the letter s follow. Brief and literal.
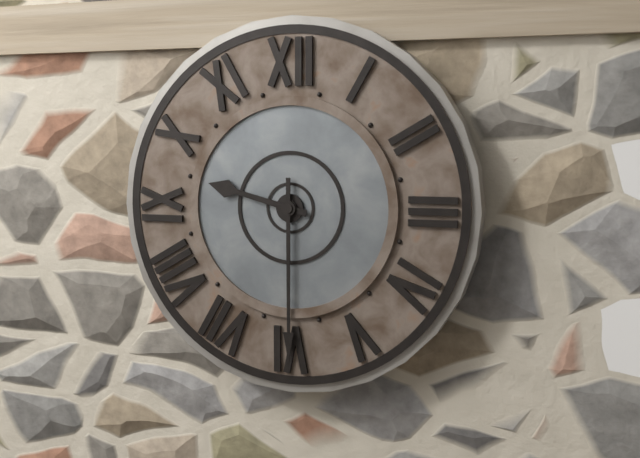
9h30
